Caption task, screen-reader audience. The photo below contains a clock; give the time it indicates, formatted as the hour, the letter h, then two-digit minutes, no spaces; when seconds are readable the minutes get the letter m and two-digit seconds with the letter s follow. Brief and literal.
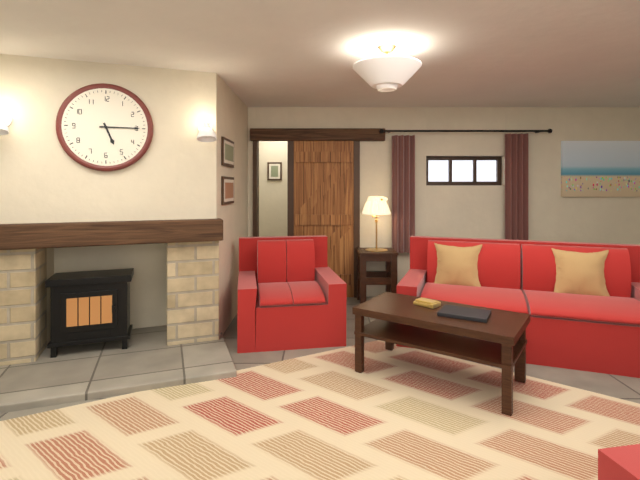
5h15
